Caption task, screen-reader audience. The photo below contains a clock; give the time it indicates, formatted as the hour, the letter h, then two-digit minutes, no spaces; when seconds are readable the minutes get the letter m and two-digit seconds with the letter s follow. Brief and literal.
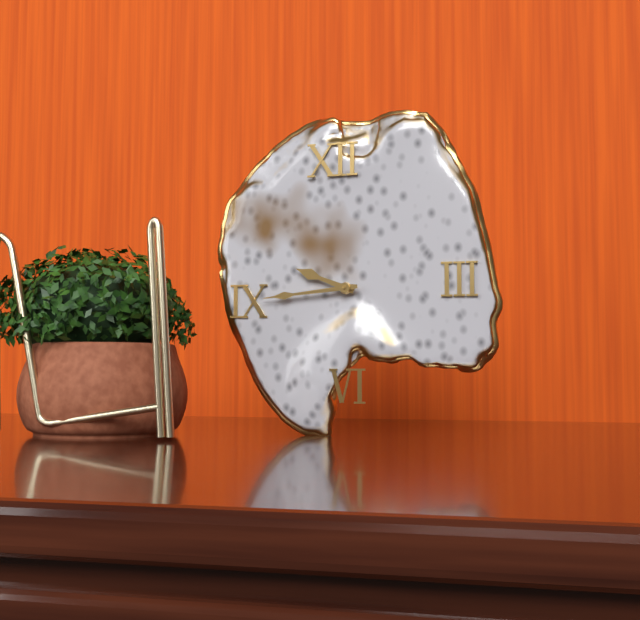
9h44
